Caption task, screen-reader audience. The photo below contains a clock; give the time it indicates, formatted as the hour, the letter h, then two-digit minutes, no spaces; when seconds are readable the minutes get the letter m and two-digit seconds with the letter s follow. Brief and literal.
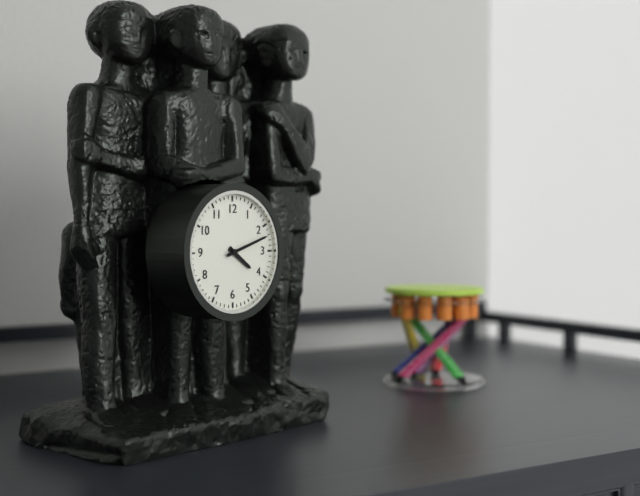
4h12
